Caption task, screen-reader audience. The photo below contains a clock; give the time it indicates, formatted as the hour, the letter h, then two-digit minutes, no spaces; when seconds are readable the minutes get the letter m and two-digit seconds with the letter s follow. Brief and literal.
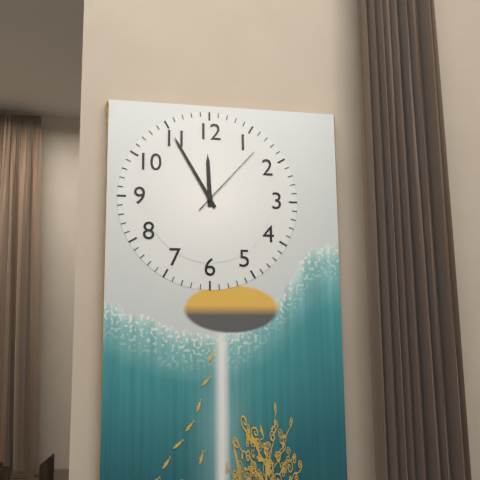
11h55m07s
